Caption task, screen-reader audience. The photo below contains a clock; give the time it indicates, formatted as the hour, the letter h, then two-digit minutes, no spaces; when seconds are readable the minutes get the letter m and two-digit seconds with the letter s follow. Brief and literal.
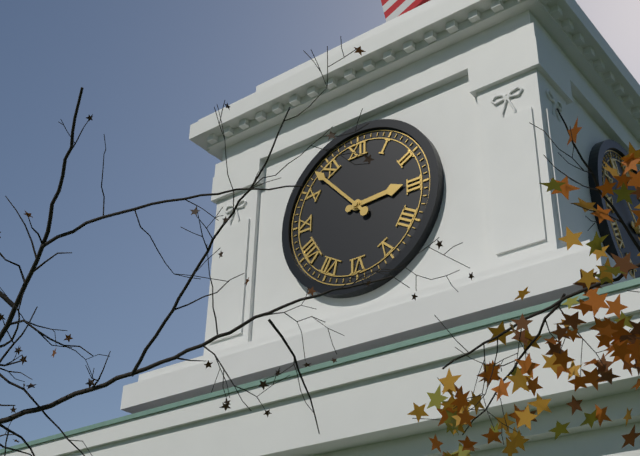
2h53
